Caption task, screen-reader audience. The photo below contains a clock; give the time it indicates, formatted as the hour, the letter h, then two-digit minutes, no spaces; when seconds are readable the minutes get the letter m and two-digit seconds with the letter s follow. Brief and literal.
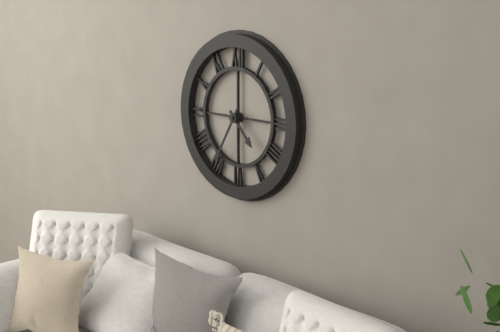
4h35
